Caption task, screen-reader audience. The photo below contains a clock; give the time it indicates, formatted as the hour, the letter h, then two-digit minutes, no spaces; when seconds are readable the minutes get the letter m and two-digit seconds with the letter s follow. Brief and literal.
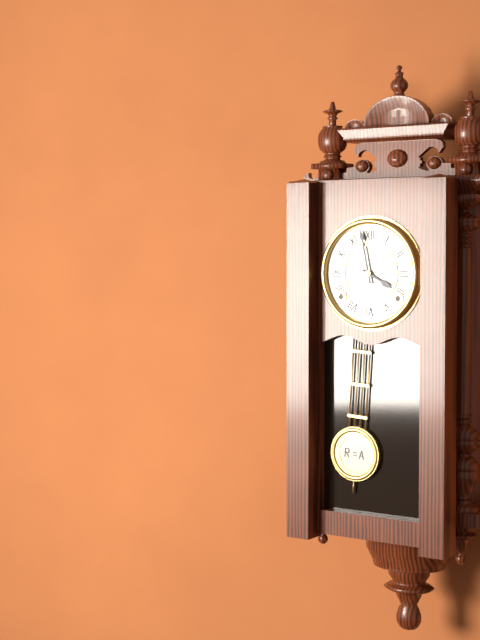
3h58
